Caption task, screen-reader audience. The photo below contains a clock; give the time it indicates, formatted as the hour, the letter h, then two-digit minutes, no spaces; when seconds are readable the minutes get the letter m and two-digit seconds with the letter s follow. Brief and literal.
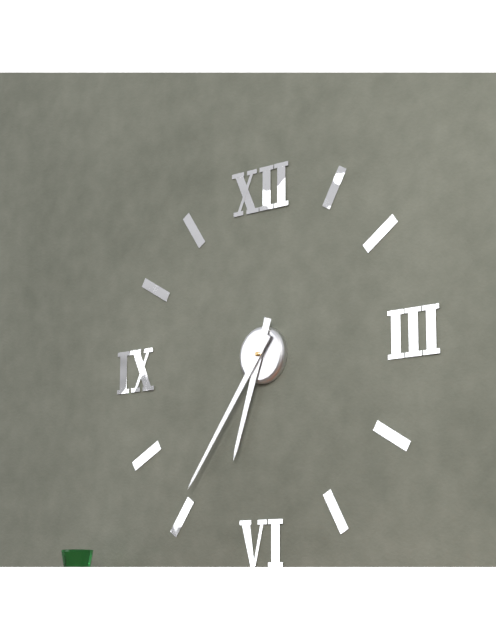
6h36
